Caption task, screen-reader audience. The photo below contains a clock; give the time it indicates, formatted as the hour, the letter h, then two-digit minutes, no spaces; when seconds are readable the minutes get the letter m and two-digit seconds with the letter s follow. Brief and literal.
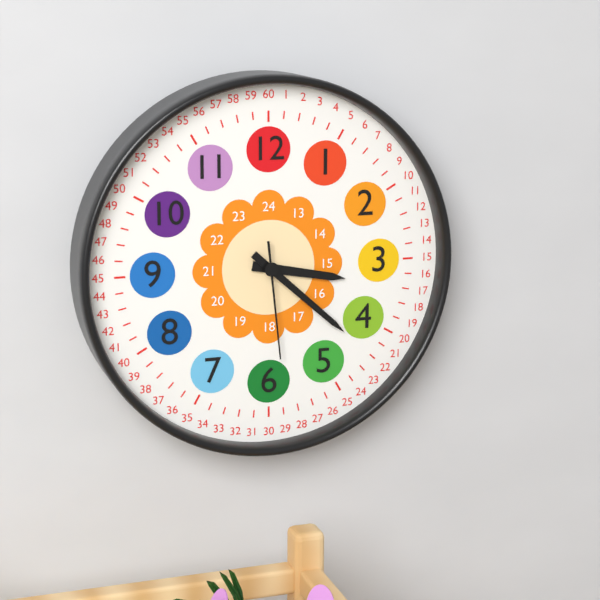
3h22m29s
